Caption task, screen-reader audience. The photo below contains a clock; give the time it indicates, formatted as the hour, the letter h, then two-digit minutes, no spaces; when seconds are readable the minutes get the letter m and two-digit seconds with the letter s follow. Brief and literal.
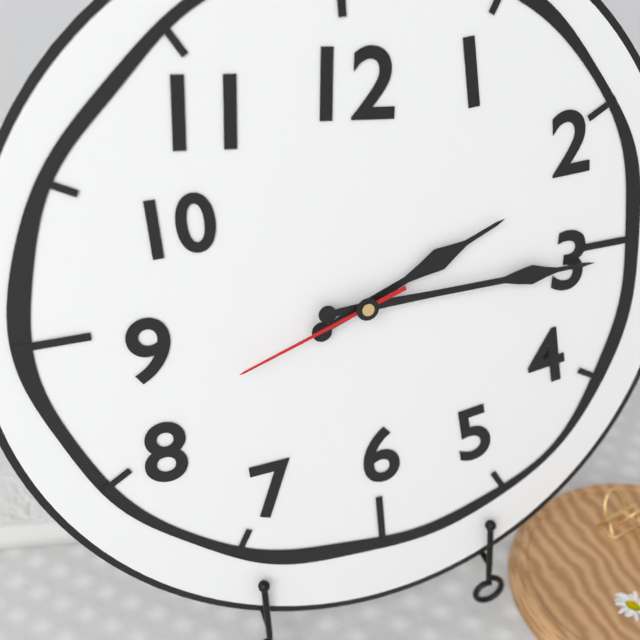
2h15m42s
